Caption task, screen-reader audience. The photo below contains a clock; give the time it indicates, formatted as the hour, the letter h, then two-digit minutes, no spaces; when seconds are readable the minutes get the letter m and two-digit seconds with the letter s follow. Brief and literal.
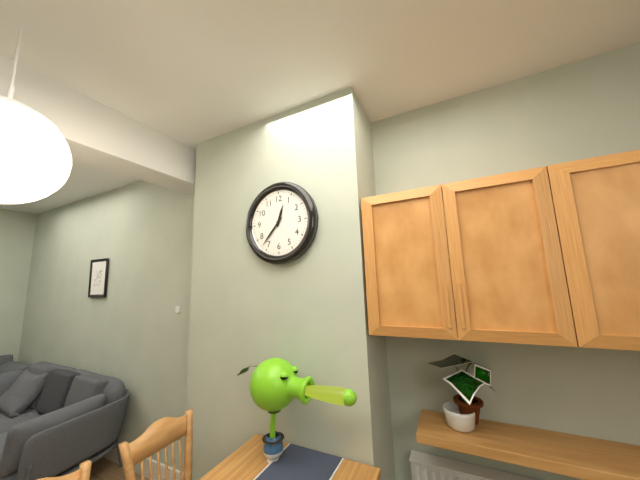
12h37
